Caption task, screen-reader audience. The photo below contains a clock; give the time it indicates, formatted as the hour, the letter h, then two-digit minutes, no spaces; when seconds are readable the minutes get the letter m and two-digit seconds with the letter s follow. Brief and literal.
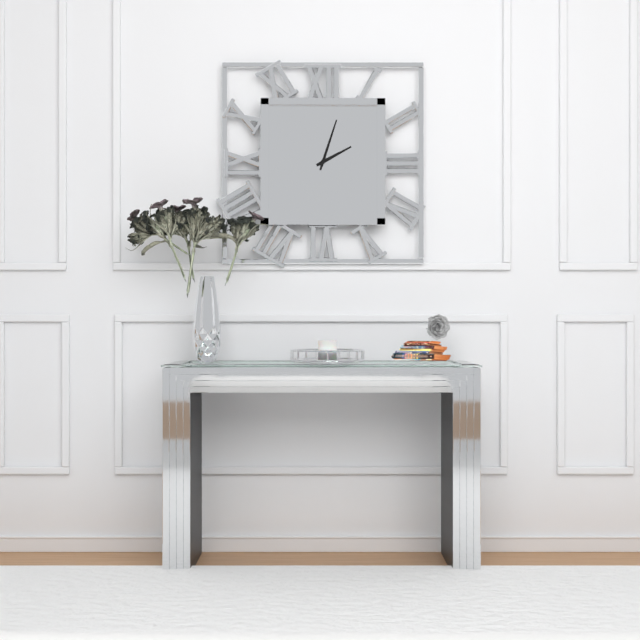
2h03
